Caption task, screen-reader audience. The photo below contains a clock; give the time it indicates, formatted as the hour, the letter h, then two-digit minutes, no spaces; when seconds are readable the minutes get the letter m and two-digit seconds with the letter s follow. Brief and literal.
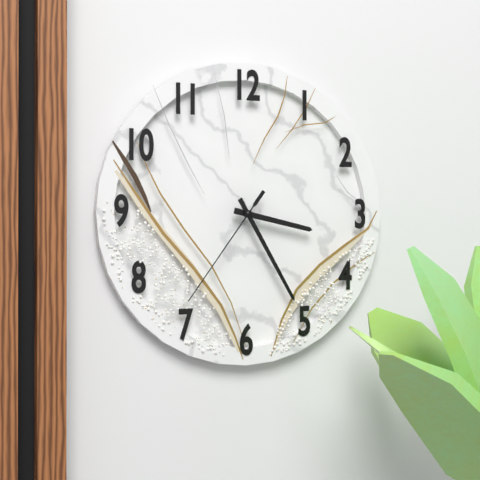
3h25m36s
